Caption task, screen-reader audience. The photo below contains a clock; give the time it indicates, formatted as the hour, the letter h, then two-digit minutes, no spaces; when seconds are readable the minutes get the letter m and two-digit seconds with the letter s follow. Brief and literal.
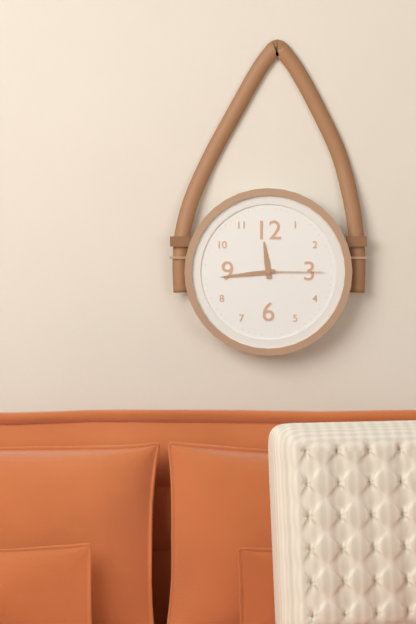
11h44m15s
